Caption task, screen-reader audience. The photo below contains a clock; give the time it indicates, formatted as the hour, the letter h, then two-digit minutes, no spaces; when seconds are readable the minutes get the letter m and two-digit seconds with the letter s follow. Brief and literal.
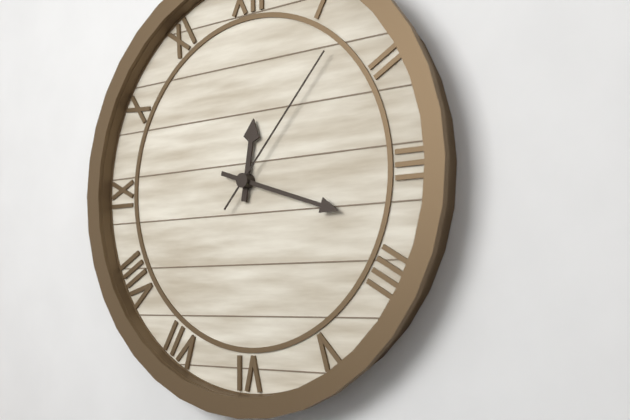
12h18m07s
